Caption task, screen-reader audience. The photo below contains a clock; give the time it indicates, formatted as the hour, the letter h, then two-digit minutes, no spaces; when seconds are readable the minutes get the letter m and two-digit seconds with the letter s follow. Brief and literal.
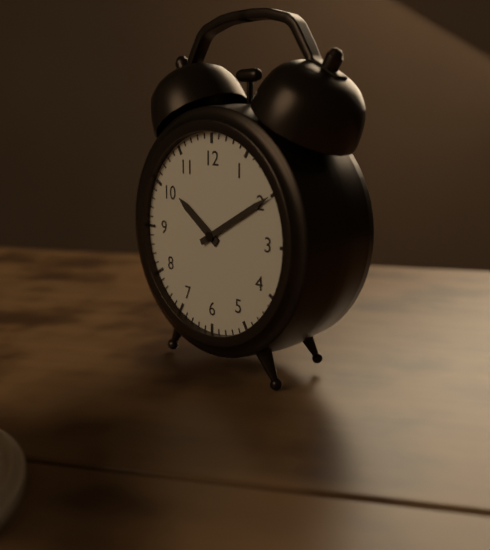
10h10
